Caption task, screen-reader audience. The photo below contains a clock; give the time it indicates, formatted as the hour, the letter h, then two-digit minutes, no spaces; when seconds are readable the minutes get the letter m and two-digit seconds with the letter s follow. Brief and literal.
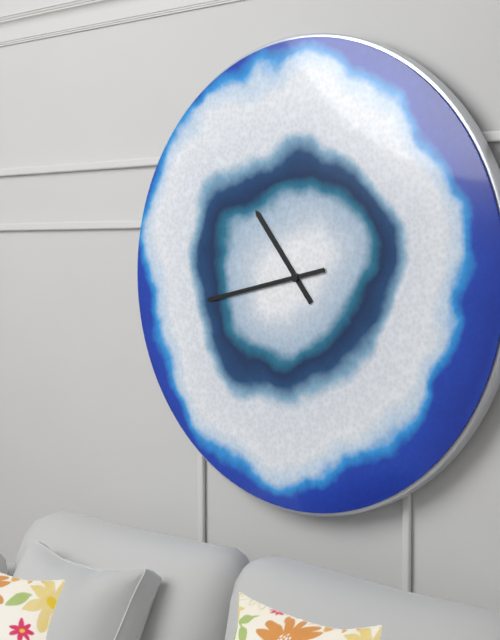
10h43
